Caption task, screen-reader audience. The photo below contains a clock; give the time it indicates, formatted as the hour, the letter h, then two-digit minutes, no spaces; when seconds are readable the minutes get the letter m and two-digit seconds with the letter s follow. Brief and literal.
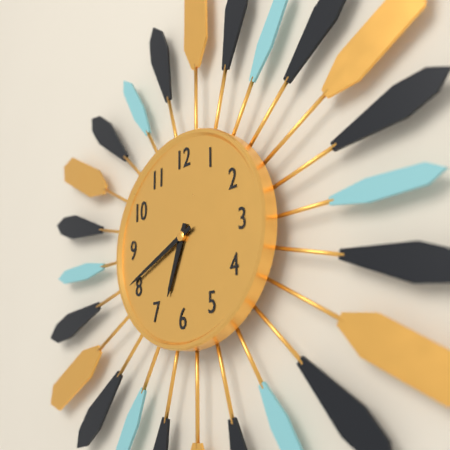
6h41
